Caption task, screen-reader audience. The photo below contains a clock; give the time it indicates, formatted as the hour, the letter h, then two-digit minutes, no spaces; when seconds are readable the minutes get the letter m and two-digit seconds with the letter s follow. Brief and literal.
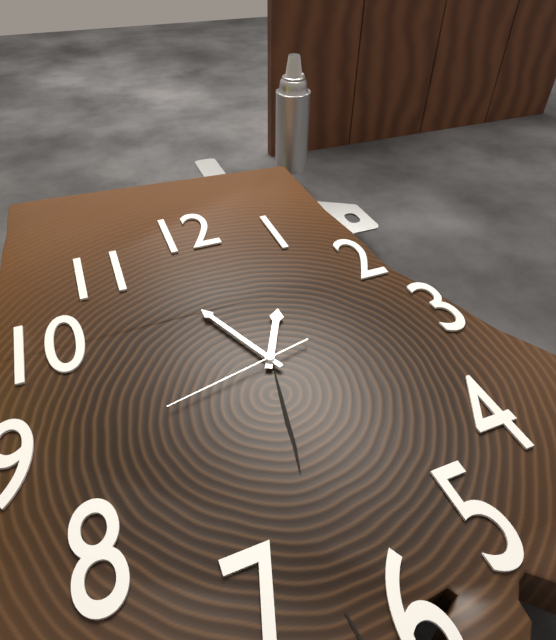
12h56m43s
